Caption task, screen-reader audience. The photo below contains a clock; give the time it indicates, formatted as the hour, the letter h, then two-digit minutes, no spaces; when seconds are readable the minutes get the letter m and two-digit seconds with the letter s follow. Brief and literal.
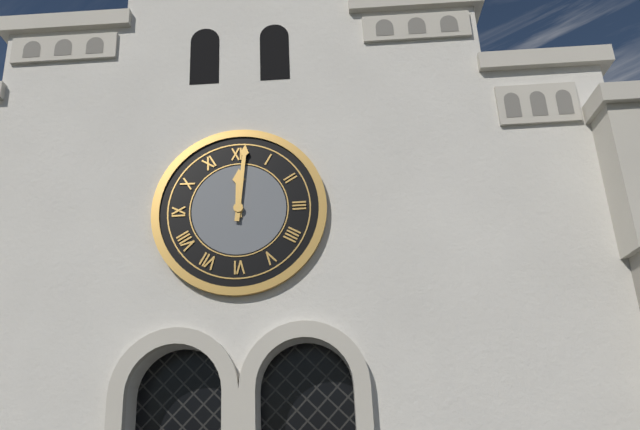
12h01
